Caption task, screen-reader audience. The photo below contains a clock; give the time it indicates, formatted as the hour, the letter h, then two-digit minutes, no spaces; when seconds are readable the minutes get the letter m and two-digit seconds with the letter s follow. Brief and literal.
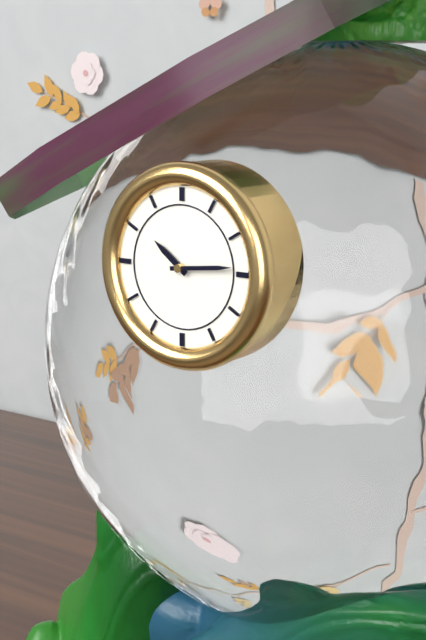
10h14
